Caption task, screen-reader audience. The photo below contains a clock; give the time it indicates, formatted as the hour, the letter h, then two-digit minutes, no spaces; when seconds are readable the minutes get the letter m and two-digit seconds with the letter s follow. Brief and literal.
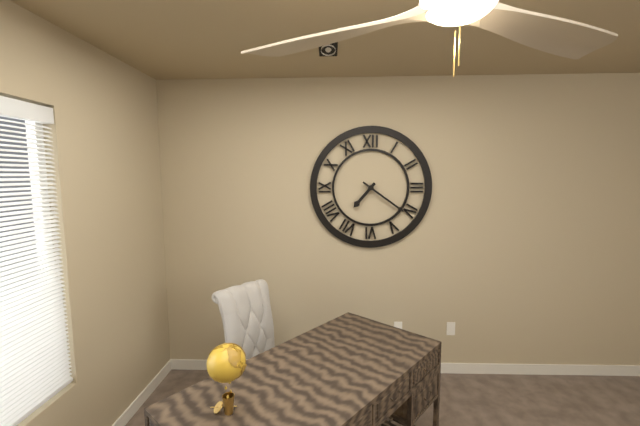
7h21
